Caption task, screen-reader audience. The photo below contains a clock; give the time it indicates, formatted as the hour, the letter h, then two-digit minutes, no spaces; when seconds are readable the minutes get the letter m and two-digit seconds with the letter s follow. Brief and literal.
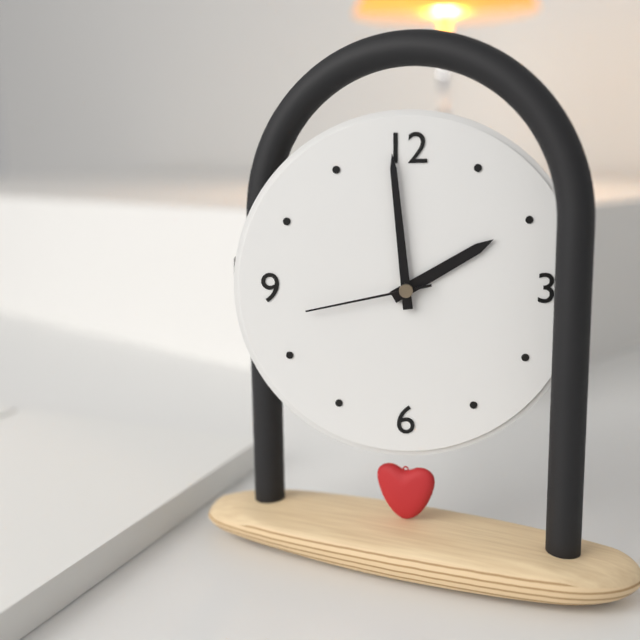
1h59m43s
